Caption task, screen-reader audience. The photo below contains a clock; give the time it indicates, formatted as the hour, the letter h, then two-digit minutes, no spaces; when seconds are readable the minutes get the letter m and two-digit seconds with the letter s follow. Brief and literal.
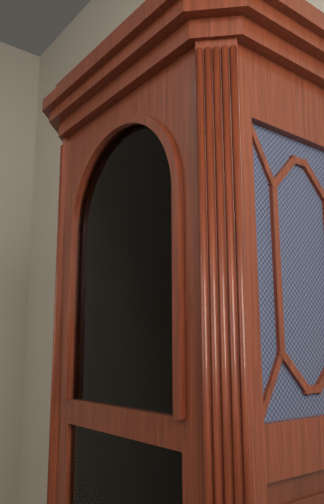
5h33
